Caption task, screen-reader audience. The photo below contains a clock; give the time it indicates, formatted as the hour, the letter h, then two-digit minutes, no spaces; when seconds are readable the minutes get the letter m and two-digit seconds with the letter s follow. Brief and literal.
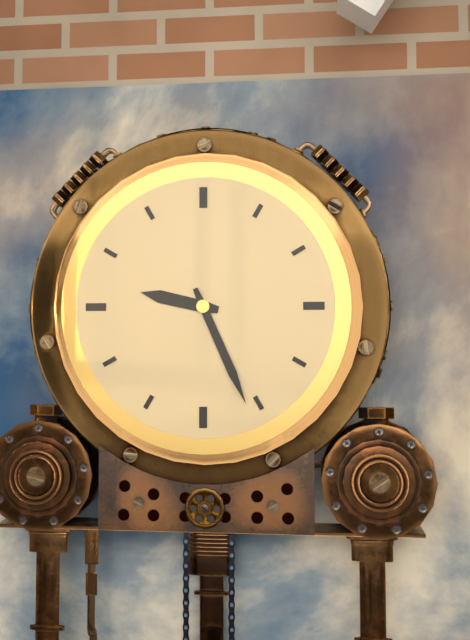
9h26
